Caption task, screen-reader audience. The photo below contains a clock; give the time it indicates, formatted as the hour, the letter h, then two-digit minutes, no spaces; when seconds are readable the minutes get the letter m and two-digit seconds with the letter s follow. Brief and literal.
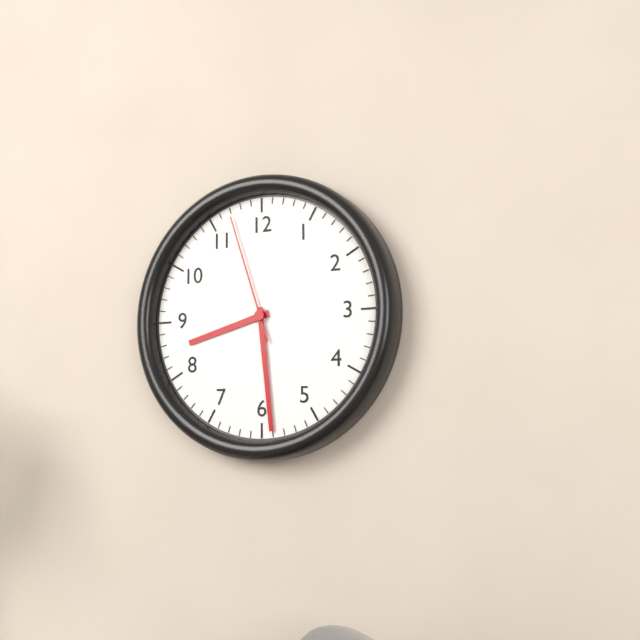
8h29m57s
